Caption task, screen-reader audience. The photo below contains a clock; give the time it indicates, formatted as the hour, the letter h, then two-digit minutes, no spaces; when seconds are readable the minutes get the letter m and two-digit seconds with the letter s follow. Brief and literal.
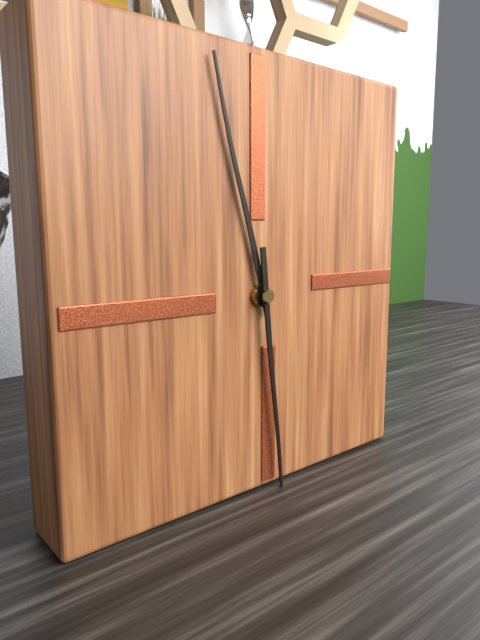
11h29
